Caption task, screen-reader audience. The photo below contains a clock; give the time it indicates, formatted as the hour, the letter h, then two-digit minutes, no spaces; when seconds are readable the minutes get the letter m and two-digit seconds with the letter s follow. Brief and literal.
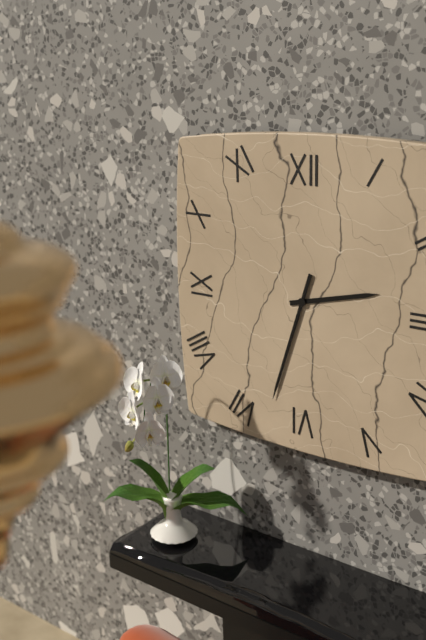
2h33
